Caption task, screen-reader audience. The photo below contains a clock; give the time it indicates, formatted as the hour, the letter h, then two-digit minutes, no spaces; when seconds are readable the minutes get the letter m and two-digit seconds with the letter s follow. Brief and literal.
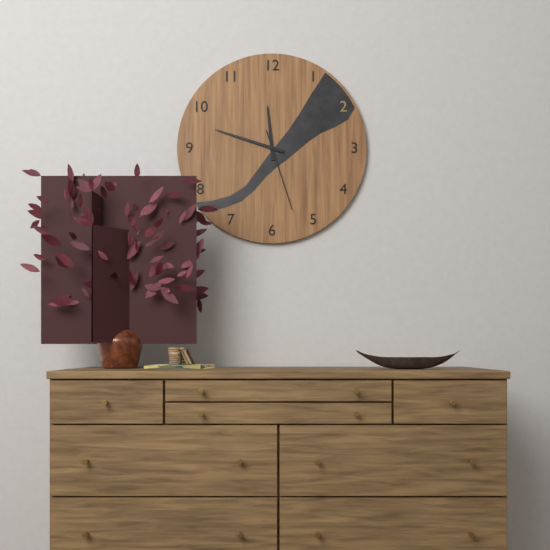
11h48m27s
